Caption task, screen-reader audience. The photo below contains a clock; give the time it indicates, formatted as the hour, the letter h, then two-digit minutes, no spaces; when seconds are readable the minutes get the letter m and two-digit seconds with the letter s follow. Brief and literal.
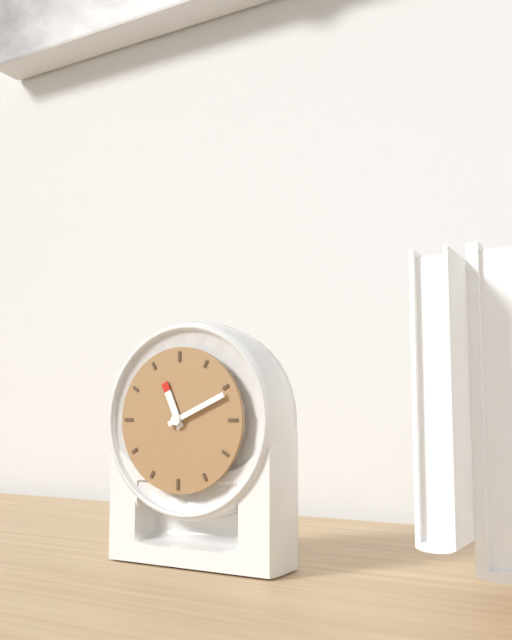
11h11
